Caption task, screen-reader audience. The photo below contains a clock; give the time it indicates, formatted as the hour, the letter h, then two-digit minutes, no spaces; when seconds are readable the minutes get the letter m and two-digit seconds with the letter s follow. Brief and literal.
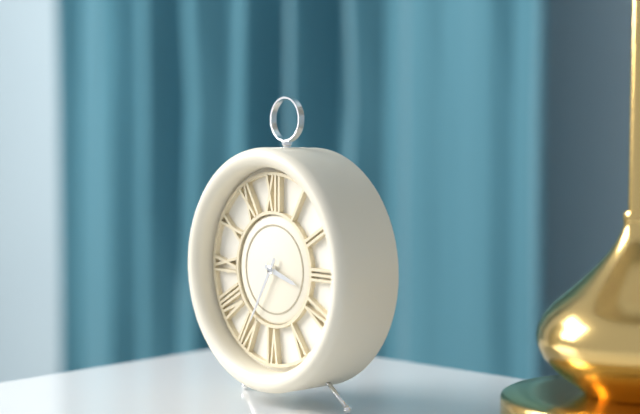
3h35
